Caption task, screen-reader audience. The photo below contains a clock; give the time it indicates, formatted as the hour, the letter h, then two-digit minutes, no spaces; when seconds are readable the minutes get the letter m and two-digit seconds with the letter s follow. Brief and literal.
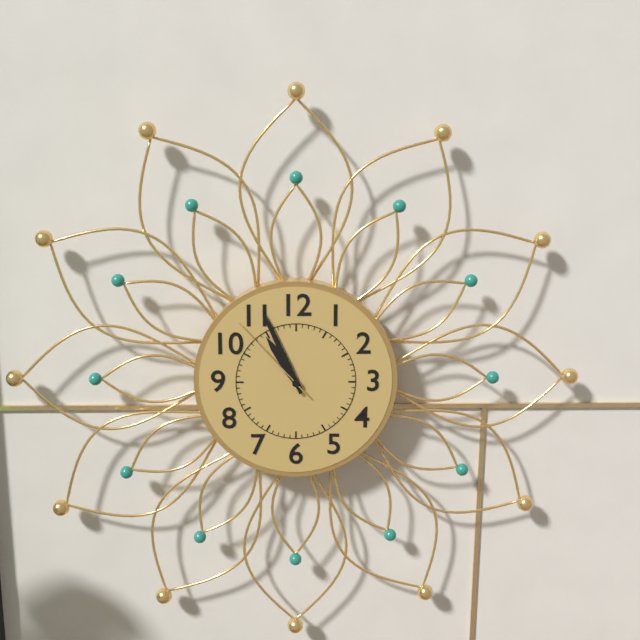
10h56m53s
